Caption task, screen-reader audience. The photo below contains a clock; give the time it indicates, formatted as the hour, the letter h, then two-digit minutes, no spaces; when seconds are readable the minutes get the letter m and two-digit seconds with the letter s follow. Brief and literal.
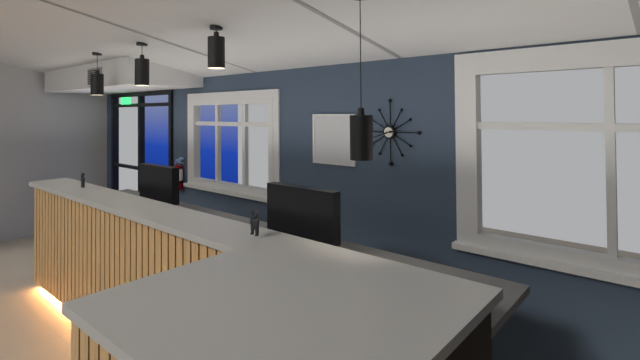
2h42
